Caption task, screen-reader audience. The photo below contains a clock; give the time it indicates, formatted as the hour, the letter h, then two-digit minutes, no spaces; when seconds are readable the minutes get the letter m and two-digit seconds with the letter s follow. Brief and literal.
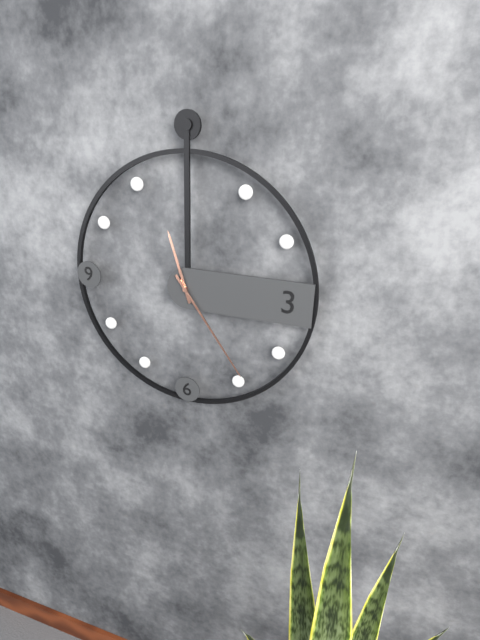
11h24
